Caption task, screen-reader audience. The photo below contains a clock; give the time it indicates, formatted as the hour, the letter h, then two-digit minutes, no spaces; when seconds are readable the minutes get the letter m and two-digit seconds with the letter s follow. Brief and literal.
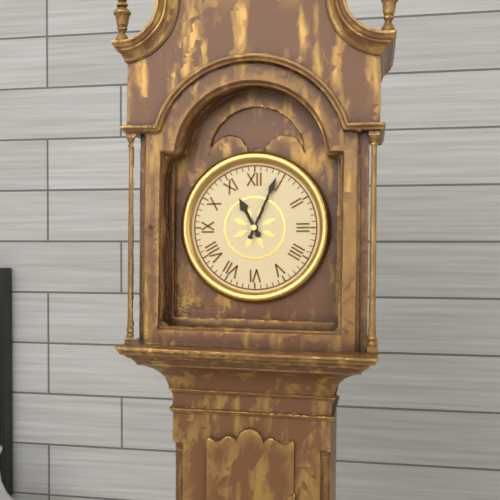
11h04
